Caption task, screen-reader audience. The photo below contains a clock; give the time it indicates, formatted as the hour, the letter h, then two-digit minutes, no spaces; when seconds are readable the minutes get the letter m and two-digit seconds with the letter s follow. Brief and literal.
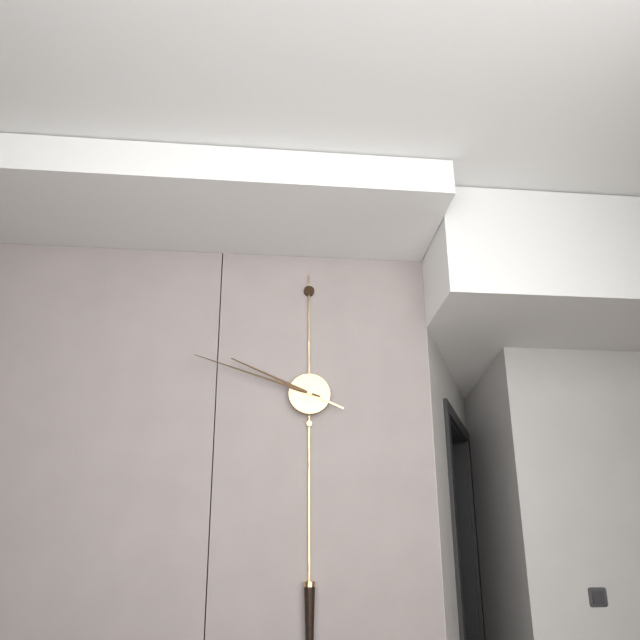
9h48
